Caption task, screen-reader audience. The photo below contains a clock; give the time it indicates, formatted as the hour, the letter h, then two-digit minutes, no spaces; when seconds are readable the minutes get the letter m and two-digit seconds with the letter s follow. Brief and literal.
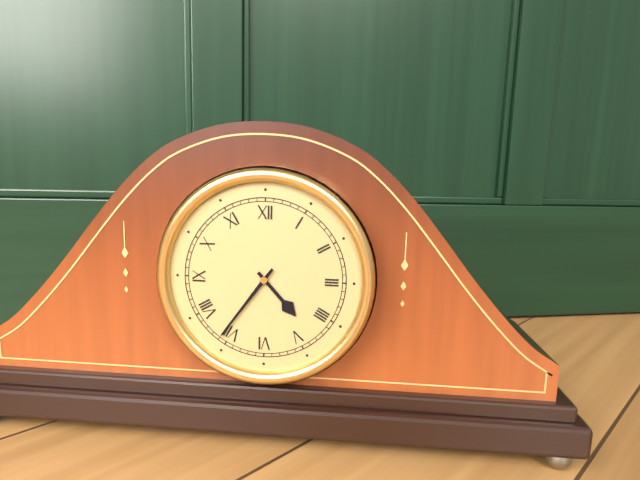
4h36
